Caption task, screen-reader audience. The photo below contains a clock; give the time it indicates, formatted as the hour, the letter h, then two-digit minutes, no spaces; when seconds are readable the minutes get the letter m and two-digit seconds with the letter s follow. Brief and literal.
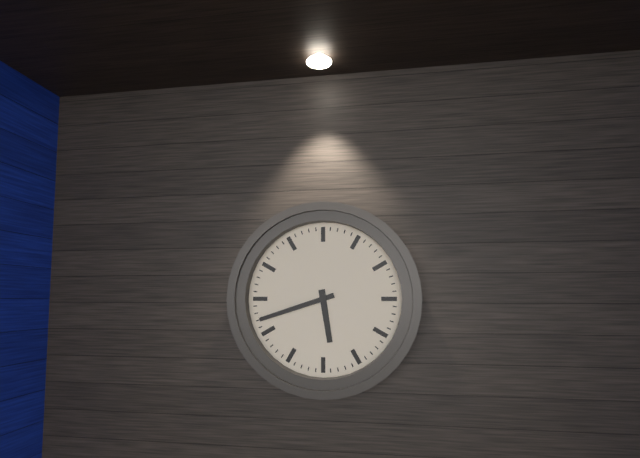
5h42
